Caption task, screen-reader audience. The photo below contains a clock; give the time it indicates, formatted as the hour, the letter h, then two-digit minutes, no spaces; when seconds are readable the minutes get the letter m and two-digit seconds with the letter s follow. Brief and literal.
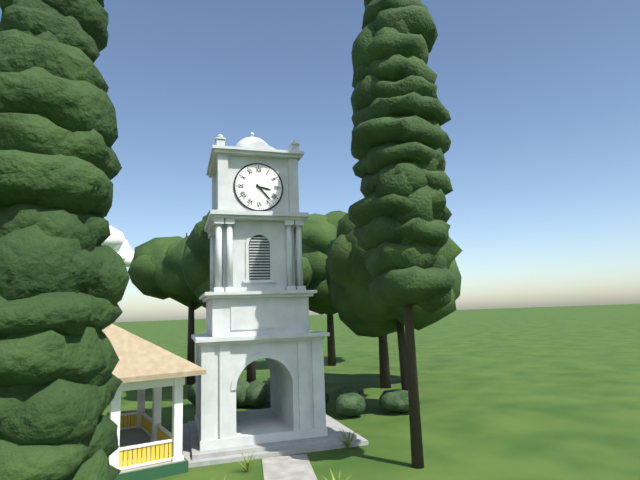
3h23
